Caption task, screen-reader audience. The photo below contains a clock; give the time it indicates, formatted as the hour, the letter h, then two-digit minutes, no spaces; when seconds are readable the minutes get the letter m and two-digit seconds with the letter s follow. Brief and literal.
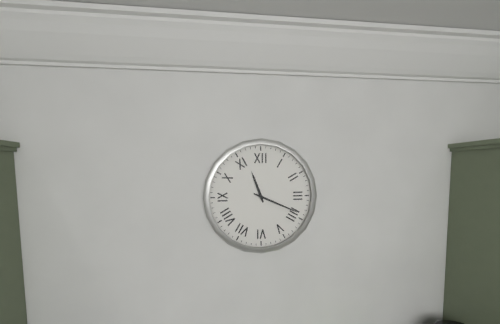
11h19
